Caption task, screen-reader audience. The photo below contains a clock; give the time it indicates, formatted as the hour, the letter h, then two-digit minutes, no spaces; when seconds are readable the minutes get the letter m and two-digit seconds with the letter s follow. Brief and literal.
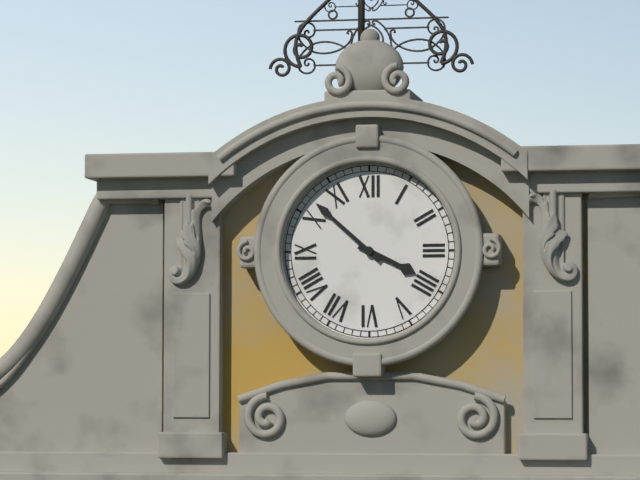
3h52
